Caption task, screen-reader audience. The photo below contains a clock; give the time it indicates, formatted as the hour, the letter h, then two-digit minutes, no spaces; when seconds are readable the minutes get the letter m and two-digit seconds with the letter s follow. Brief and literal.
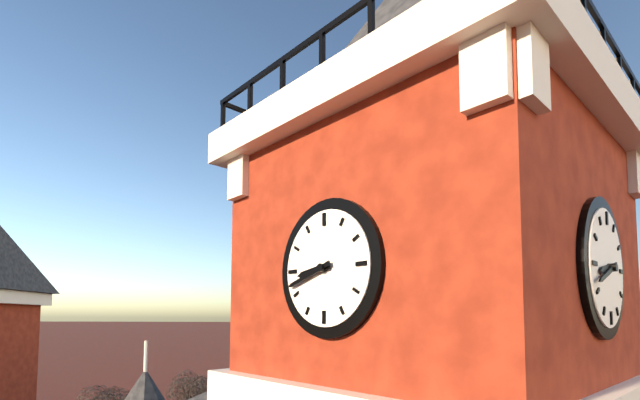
8h42
